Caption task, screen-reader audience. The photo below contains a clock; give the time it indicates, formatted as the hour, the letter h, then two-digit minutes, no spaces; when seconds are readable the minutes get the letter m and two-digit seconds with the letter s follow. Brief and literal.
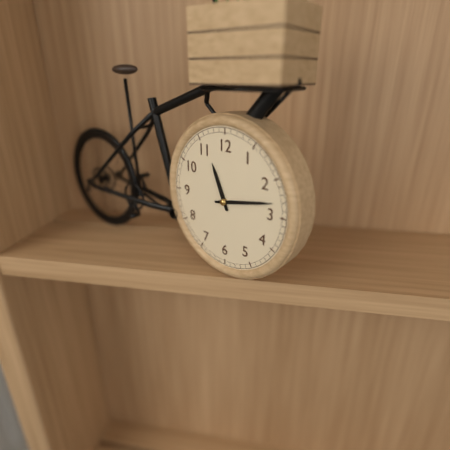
11h13
